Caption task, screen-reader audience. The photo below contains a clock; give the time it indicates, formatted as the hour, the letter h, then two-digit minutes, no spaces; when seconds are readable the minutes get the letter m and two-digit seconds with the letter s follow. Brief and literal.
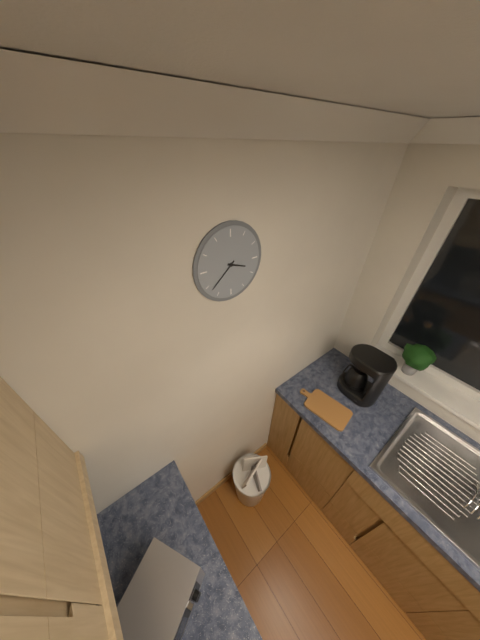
3h38
